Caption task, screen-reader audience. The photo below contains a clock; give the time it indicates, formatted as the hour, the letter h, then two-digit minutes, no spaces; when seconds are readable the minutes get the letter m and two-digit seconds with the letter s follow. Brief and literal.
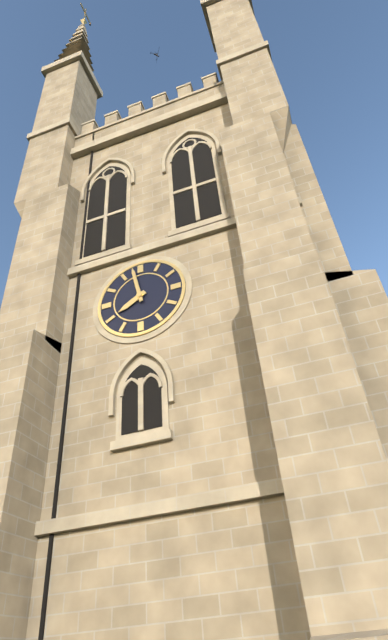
7h58
